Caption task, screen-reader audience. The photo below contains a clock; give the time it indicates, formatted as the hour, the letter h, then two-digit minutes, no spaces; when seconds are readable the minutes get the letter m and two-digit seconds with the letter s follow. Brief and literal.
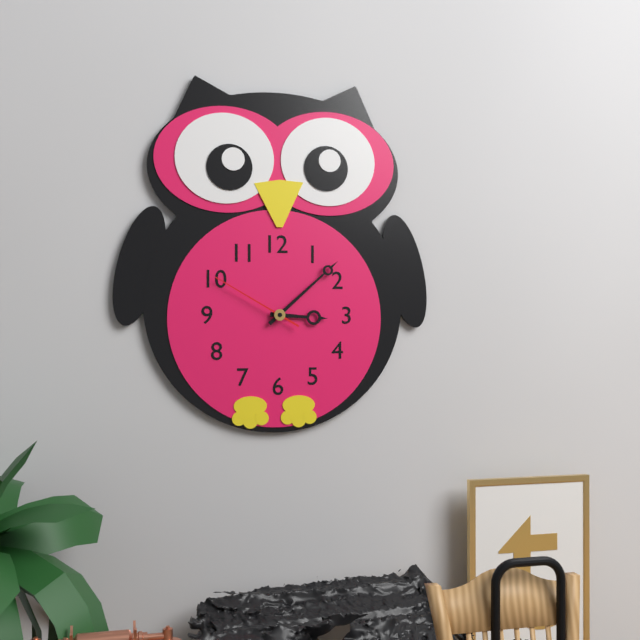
3h08m50s
